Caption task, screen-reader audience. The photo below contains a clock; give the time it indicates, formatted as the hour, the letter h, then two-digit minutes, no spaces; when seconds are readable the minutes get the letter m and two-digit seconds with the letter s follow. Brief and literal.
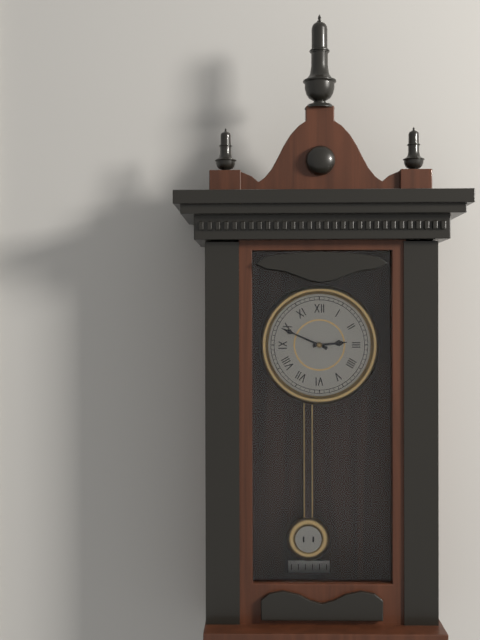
2h49
